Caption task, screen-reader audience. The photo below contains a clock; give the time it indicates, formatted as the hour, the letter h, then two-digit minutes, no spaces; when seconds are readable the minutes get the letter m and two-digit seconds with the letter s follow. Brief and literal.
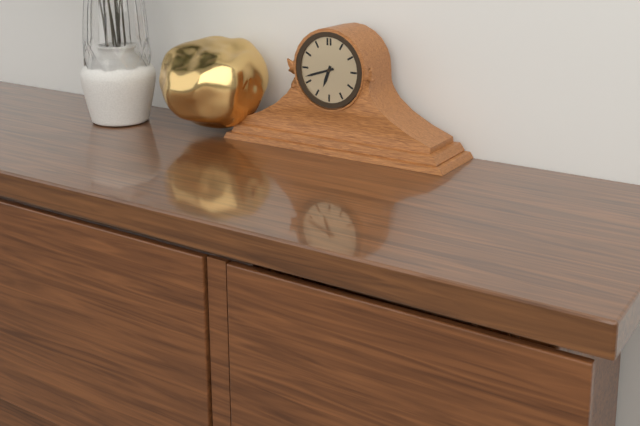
6h42
